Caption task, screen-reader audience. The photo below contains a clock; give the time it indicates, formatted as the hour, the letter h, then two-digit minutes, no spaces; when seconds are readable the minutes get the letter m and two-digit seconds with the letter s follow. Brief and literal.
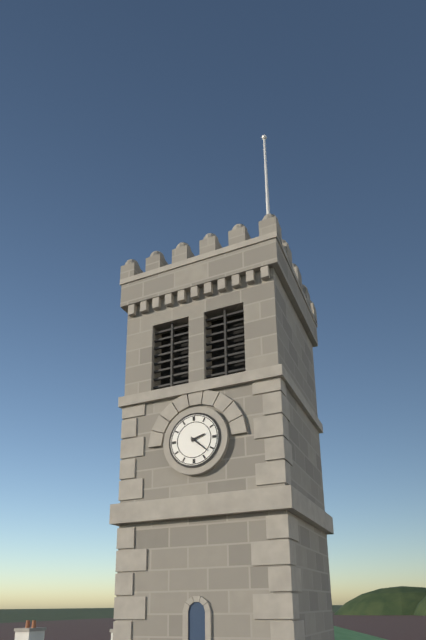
2h22
